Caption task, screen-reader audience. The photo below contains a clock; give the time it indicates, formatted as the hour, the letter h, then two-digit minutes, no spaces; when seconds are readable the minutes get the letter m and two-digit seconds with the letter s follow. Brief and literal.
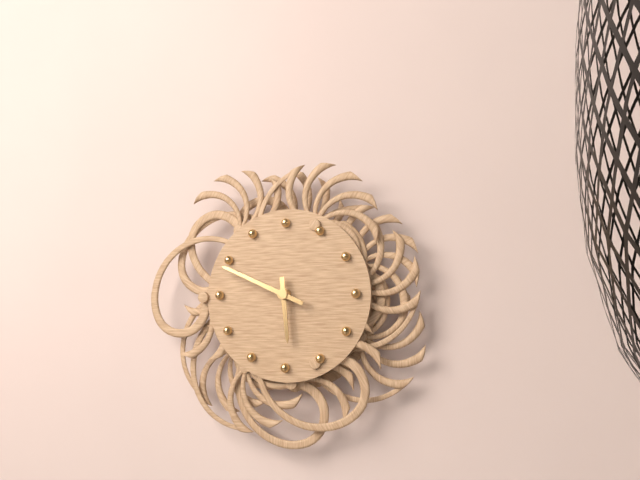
5h49
